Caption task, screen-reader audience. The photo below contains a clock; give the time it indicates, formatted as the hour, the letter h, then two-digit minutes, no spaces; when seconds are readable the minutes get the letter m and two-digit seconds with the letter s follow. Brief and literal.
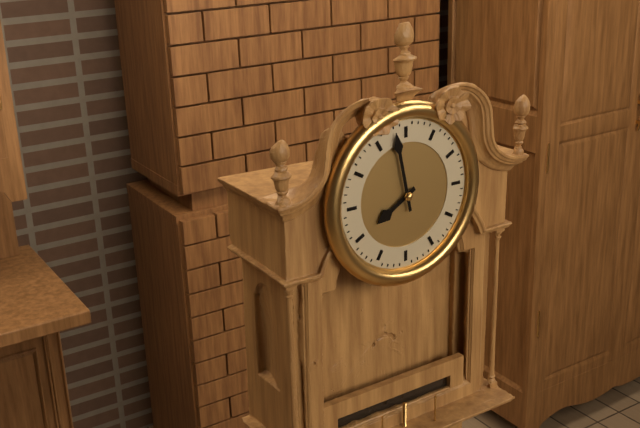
7h58
